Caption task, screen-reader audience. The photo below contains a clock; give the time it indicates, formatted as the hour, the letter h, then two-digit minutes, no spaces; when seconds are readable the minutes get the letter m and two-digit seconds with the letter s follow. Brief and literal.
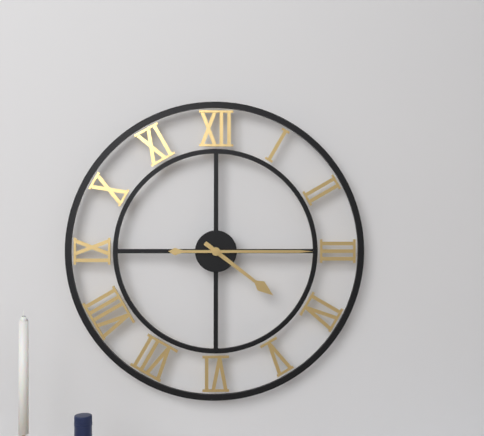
4h15
